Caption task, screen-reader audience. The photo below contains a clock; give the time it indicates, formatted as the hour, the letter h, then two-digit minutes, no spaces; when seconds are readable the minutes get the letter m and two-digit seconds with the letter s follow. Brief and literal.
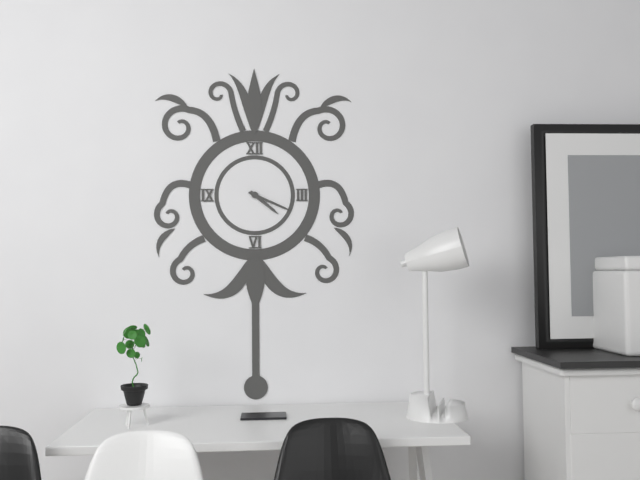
4h19
